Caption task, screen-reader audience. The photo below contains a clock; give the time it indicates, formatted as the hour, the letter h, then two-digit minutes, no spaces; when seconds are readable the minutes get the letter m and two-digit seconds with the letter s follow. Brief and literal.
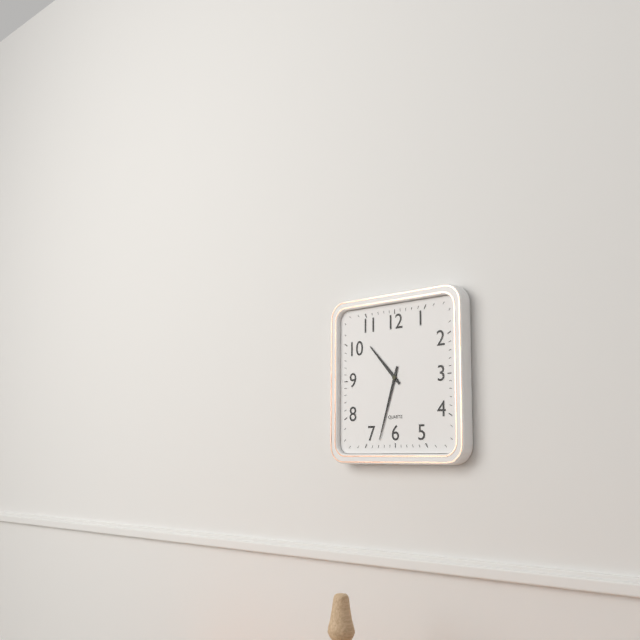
10h33
